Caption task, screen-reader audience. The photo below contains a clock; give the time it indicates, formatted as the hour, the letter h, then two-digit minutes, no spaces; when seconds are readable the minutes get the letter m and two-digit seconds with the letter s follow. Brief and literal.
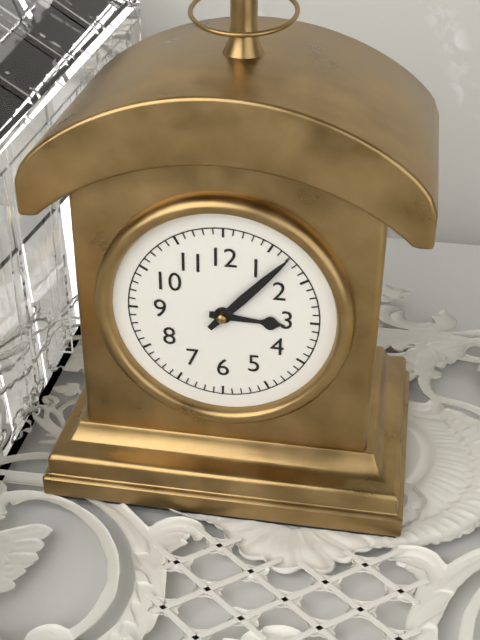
3h07
